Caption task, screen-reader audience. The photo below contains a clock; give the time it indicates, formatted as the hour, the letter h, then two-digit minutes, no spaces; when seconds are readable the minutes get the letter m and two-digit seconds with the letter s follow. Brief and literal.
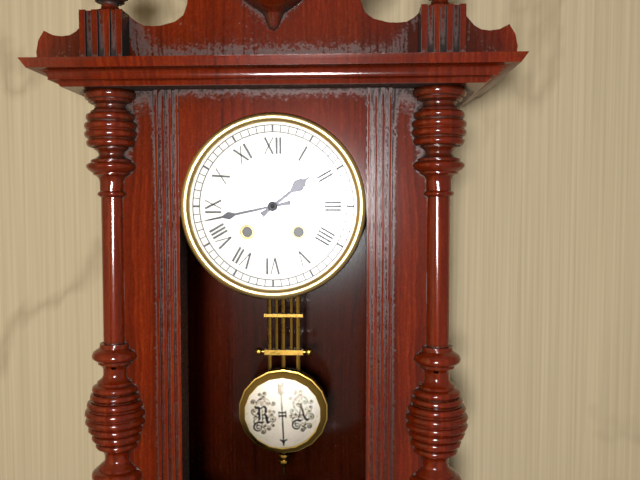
1h43
